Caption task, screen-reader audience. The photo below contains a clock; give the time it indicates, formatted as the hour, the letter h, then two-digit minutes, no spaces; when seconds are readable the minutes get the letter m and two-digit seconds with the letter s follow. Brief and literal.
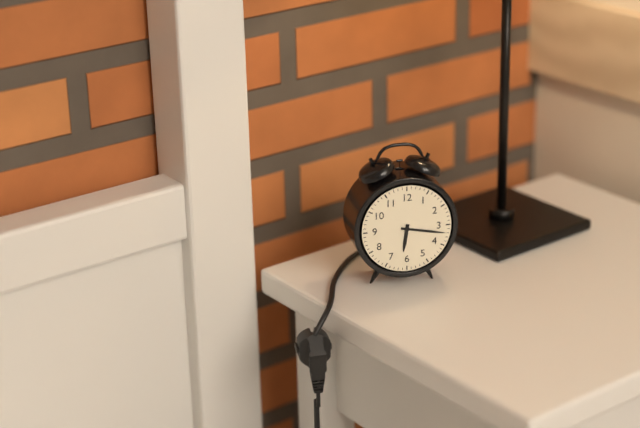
6h17
